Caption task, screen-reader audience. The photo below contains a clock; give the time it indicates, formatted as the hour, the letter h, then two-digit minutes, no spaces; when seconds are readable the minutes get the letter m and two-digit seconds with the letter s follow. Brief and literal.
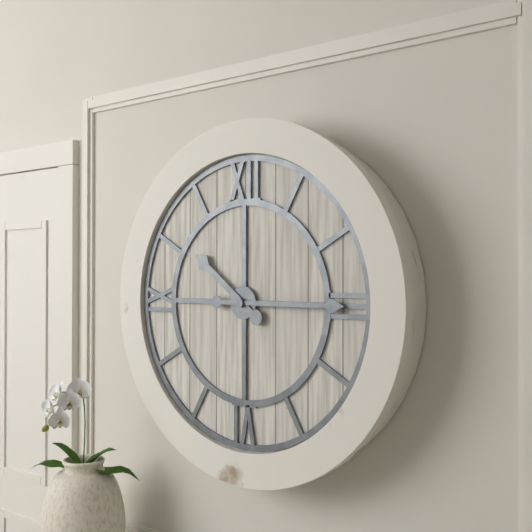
10h15
